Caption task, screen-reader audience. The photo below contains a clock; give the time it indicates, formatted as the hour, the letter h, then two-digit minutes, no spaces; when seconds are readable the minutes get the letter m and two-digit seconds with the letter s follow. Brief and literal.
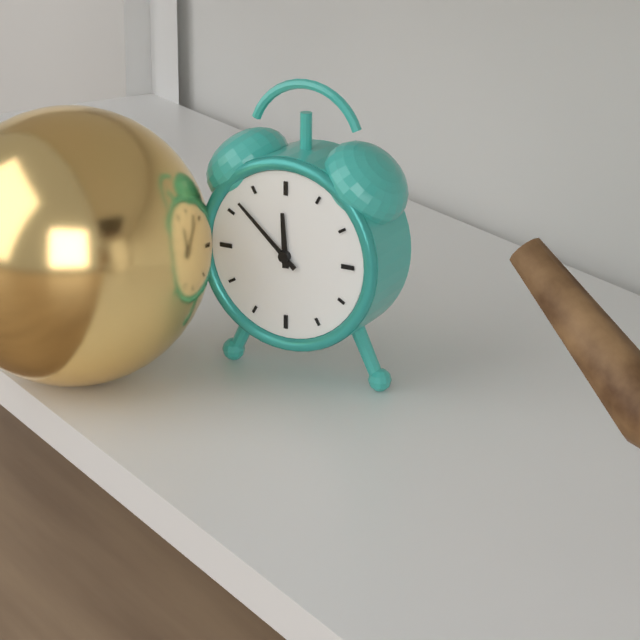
11h52
